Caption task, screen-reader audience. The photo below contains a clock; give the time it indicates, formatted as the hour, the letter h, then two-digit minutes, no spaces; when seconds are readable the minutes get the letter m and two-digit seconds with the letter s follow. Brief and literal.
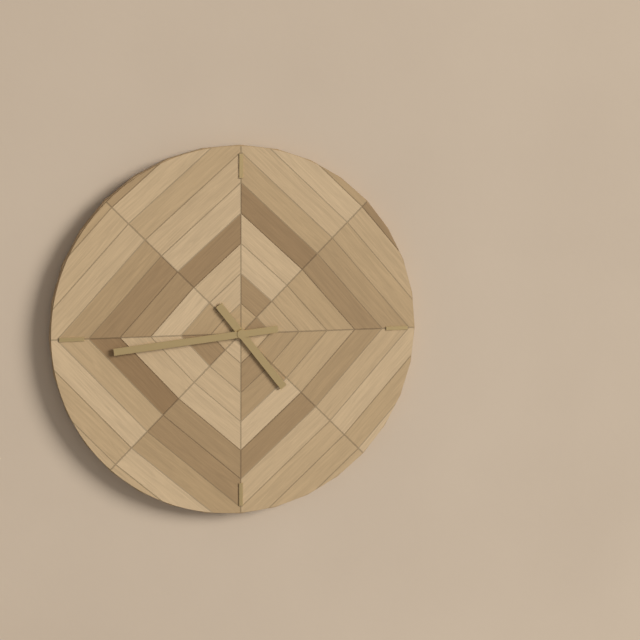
4h44
